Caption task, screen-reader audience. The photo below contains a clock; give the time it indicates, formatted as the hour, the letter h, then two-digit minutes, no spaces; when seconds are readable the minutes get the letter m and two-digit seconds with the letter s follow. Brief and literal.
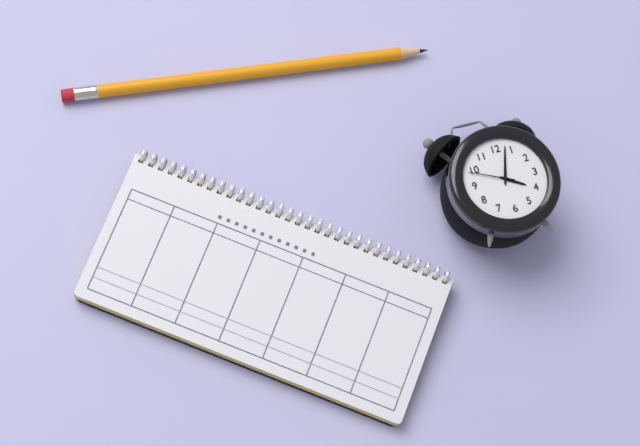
4h03
